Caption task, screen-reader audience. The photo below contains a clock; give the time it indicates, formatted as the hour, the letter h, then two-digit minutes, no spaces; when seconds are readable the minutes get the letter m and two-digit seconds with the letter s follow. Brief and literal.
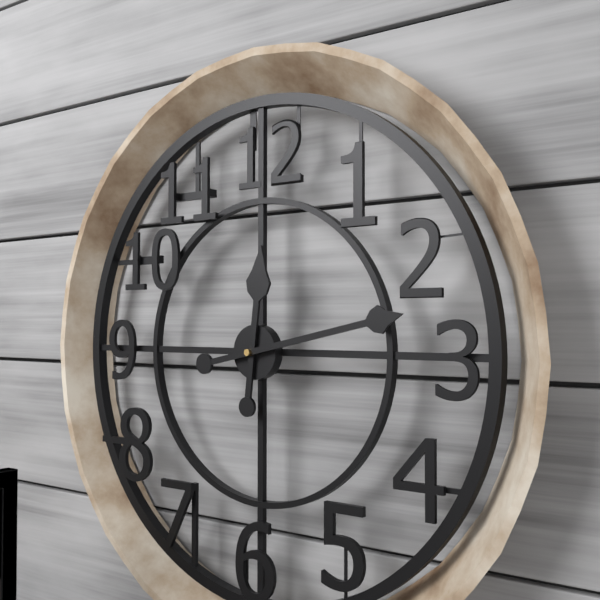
12h13
